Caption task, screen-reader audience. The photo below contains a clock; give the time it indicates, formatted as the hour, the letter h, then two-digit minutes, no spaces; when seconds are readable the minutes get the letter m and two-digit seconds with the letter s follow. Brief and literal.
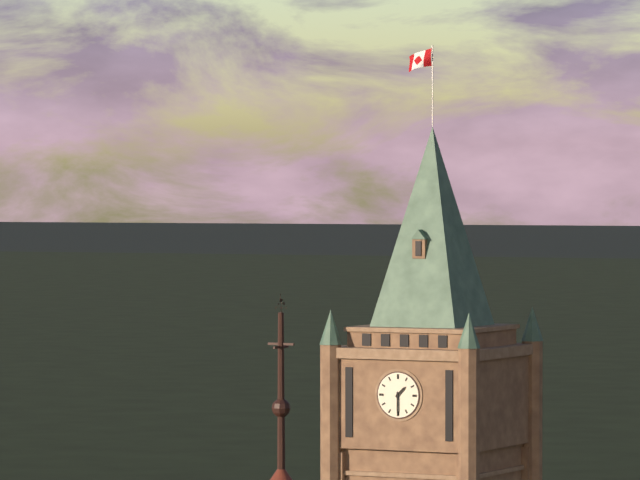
1h30
